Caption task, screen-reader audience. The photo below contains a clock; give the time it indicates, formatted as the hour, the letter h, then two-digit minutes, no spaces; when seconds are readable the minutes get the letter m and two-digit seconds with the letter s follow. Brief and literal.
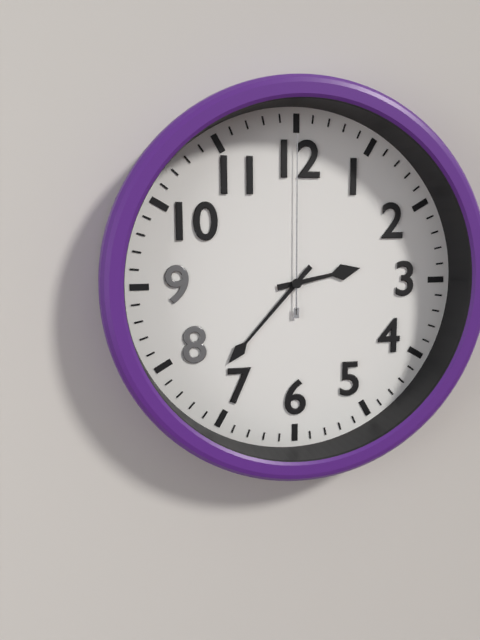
2h37m00s
